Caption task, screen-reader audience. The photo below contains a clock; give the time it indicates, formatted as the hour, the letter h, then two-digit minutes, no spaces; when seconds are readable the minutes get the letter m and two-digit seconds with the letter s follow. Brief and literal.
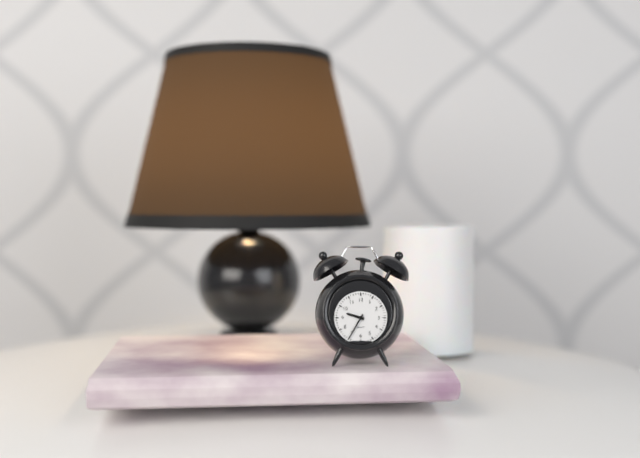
9h35
